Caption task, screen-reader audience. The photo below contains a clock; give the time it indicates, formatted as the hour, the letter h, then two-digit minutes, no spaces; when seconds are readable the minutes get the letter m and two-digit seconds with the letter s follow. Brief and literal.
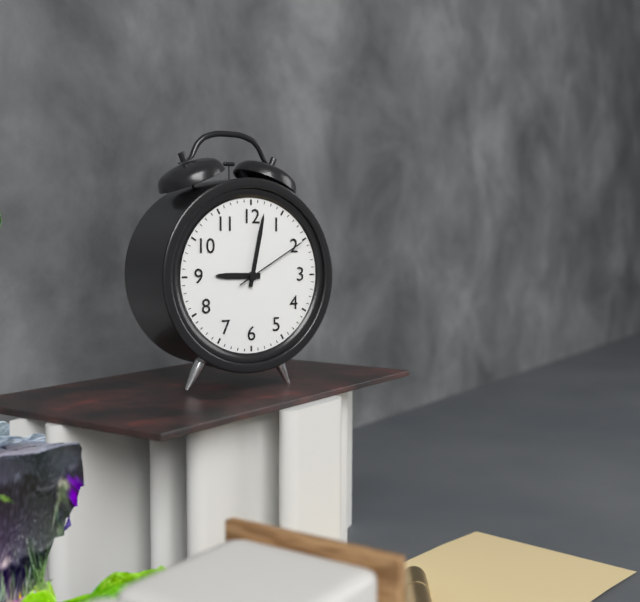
9h02m10s
